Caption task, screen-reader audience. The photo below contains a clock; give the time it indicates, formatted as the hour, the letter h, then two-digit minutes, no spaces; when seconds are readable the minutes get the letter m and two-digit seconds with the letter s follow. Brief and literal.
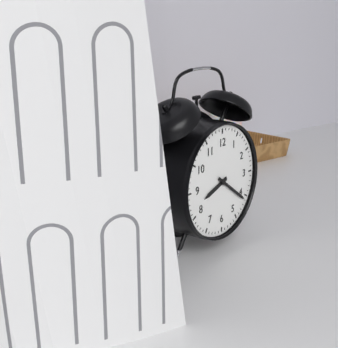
8h21
